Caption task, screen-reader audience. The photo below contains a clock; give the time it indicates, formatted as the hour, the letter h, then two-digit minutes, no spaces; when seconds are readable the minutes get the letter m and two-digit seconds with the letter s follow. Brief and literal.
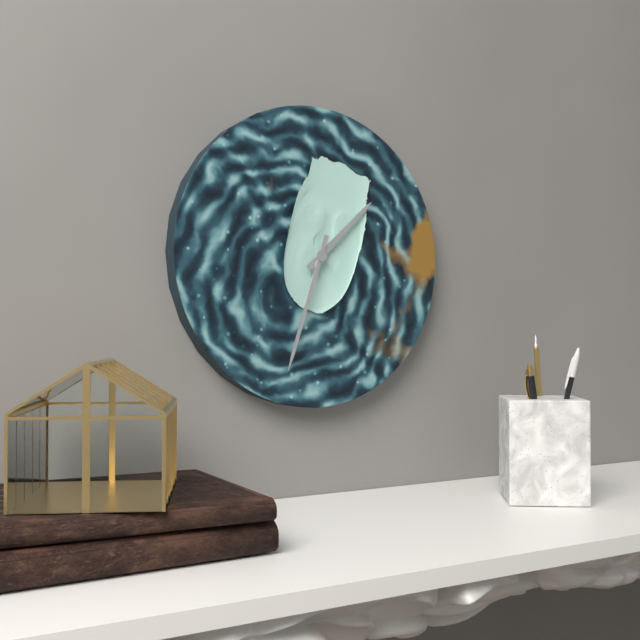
1h33
